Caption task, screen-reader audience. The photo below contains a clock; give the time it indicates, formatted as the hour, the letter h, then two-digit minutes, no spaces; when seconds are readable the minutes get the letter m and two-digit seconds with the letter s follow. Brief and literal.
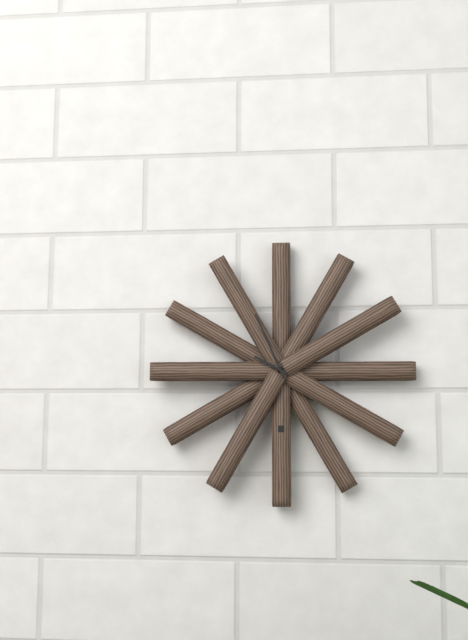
9h56
